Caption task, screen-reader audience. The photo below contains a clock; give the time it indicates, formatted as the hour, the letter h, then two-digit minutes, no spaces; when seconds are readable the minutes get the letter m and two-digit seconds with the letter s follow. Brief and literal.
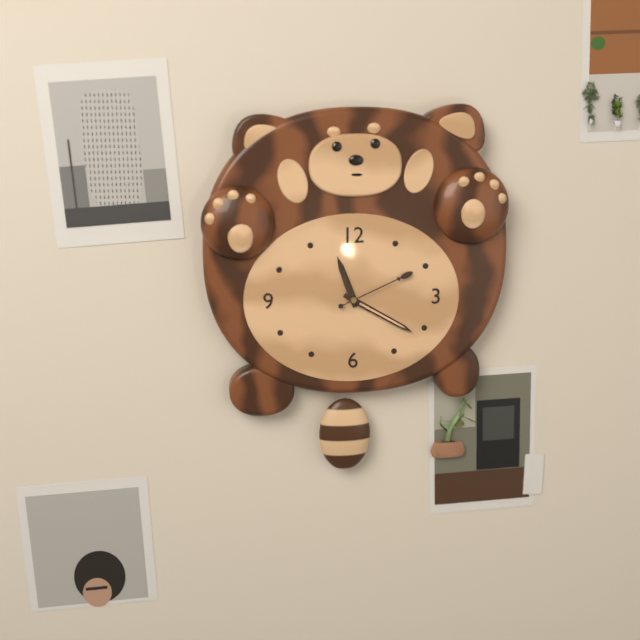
11h20m11s
